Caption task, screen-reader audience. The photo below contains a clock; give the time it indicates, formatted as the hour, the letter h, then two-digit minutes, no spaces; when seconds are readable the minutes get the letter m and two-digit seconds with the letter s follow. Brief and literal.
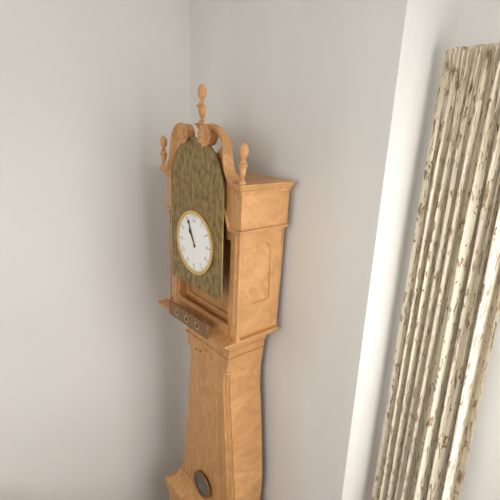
10h56
